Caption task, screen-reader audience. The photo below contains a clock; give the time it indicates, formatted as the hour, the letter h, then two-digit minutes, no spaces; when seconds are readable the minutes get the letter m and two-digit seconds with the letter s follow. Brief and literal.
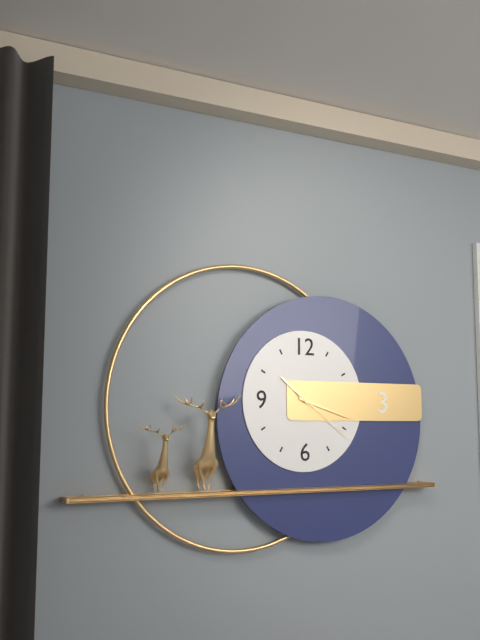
10h18m21s
